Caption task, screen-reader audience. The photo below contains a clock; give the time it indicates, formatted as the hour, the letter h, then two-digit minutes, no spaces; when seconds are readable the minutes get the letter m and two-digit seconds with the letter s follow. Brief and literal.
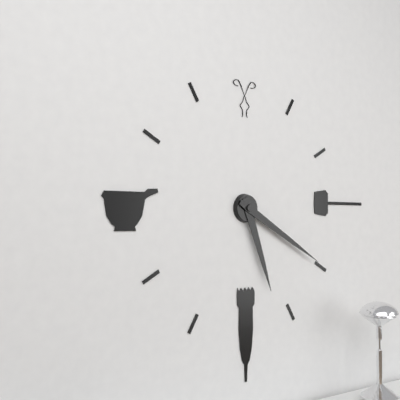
5h20
